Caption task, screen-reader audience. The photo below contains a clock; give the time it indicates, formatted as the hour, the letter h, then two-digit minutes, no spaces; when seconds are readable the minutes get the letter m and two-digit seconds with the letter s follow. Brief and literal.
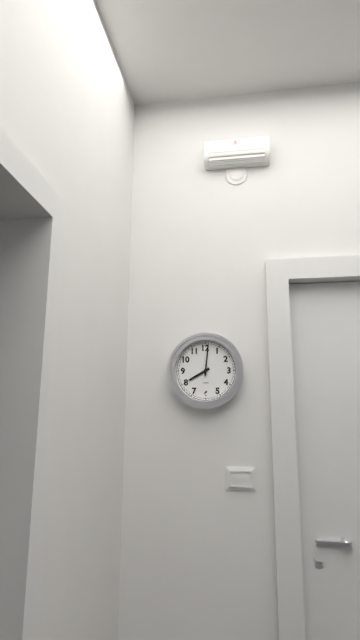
8h01
